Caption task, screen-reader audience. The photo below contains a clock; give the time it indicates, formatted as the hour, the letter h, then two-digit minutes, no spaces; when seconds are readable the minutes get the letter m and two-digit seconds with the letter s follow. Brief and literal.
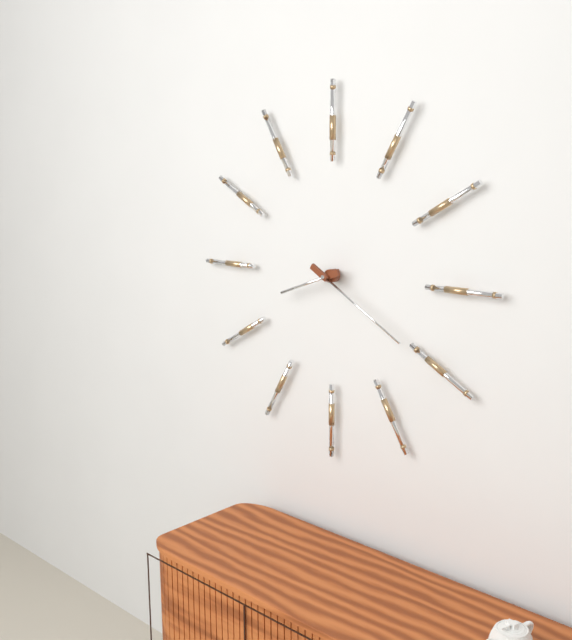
8h20
